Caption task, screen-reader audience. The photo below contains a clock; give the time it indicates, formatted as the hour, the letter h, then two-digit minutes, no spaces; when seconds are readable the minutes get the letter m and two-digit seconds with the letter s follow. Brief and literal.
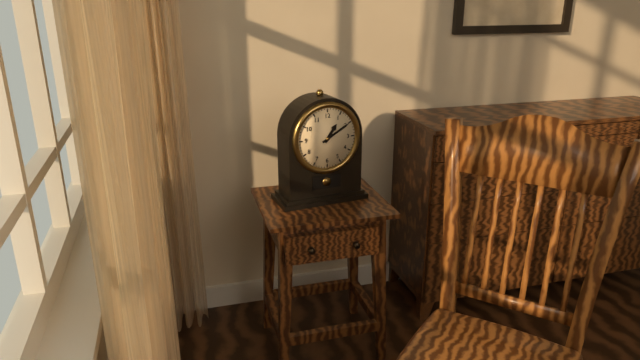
1h10
